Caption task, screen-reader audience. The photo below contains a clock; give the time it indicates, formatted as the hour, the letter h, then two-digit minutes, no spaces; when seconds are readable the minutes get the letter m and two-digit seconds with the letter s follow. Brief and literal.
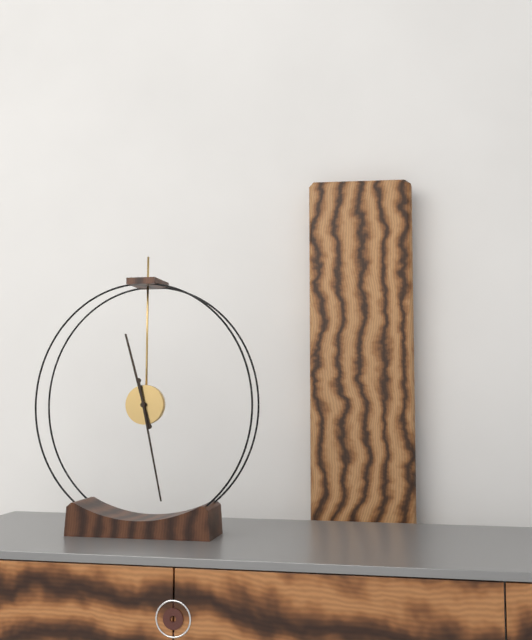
11h28
